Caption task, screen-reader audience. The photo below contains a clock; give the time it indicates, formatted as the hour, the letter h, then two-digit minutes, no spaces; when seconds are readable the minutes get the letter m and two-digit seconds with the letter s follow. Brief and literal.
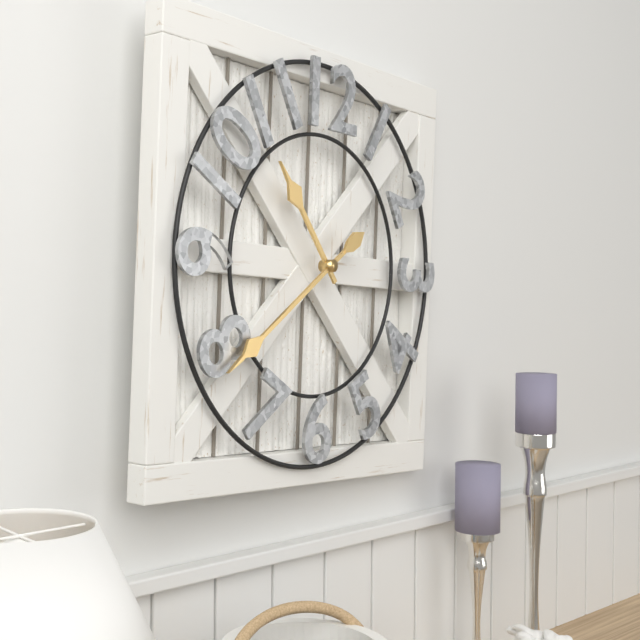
10h39
